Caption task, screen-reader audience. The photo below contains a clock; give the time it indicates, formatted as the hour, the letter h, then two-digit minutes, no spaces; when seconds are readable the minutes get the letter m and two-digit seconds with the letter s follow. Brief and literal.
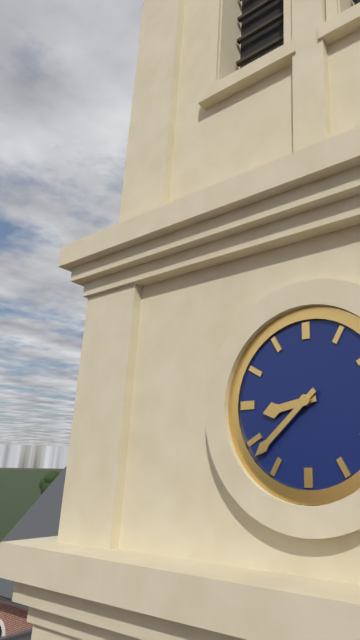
8h38
